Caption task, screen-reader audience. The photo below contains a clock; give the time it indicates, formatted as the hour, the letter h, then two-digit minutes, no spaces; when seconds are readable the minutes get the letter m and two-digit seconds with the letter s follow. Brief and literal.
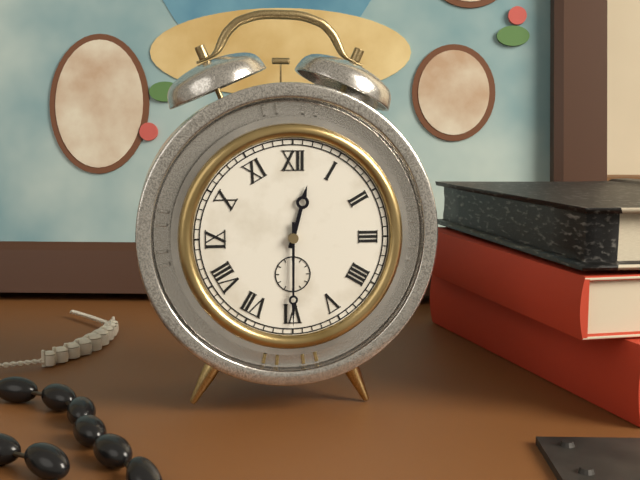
12h30
